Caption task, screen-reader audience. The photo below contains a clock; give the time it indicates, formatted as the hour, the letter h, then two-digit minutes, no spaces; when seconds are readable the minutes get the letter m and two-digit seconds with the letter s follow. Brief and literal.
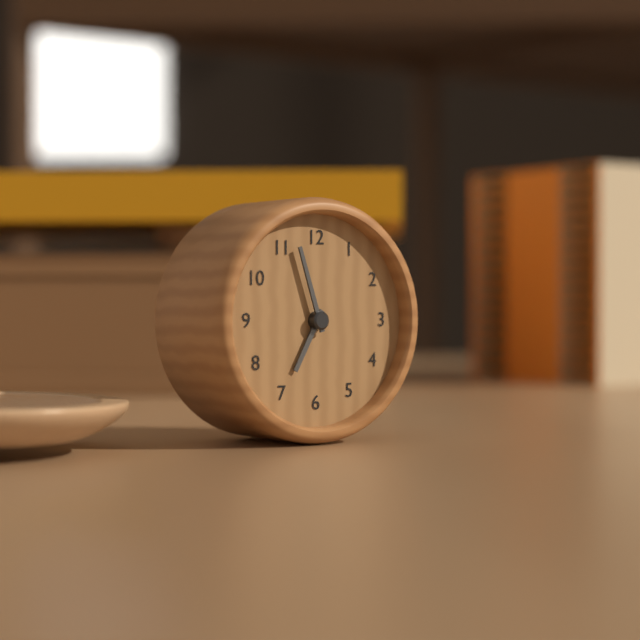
6h57
